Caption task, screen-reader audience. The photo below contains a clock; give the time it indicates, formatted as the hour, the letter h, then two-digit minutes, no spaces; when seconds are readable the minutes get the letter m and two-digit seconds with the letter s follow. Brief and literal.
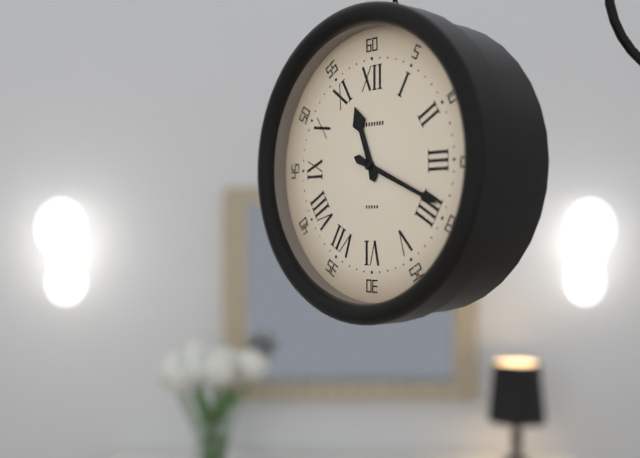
11h19
